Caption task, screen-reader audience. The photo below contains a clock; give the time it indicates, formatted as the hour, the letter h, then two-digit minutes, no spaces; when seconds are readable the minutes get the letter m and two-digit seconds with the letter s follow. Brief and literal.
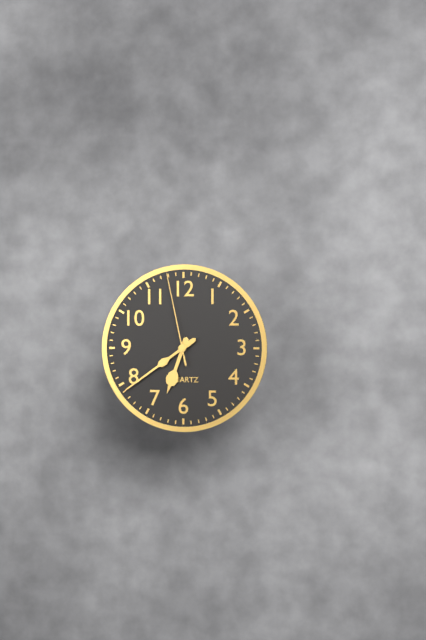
6h39m58s
